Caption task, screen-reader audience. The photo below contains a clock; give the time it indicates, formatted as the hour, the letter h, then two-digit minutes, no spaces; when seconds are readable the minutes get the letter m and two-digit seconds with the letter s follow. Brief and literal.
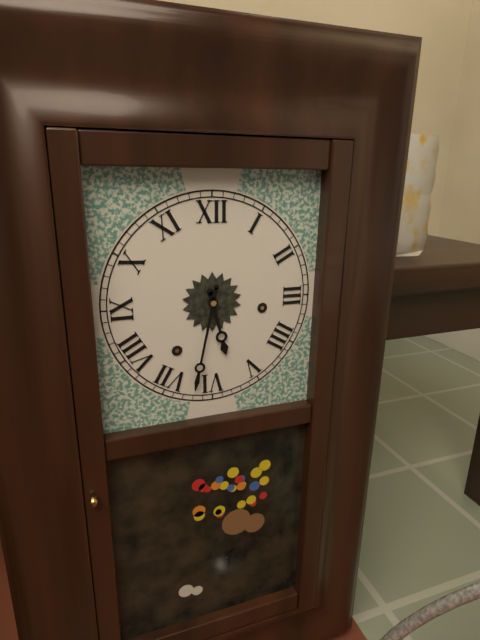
5h32
